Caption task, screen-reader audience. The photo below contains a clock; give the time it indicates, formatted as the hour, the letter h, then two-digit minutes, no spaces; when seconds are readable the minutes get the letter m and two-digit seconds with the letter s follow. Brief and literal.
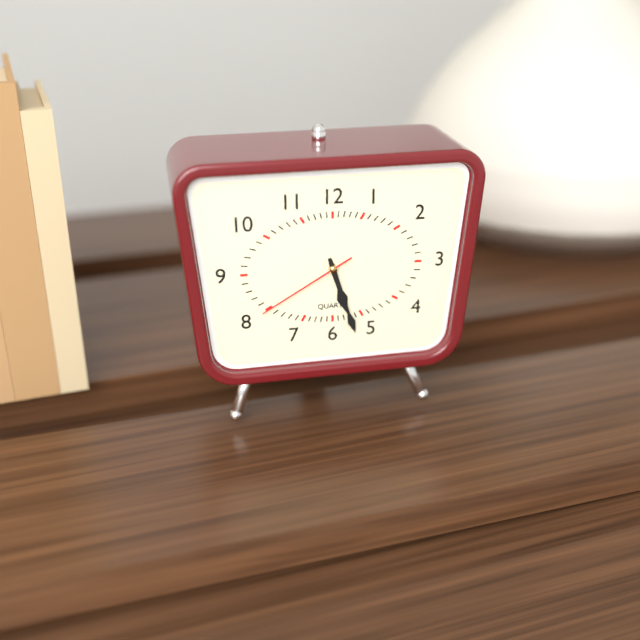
5h27m40s
